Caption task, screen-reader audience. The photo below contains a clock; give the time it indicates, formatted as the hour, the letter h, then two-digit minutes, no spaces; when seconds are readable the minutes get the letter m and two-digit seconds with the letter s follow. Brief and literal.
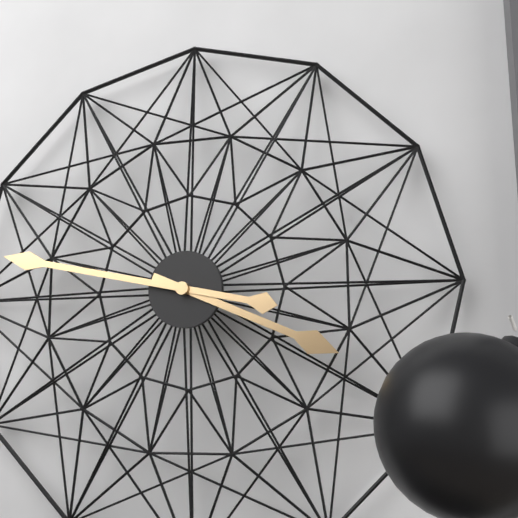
3h47
